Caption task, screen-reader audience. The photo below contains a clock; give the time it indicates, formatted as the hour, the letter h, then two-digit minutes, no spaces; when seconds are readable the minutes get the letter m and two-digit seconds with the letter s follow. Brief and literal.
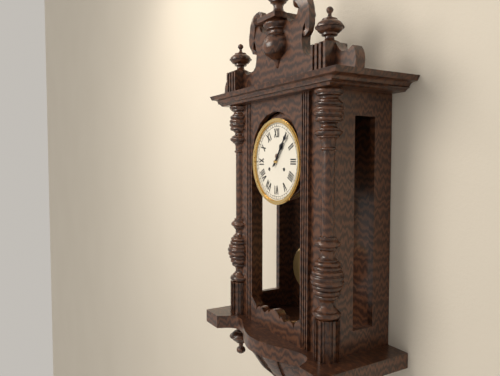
1h06
